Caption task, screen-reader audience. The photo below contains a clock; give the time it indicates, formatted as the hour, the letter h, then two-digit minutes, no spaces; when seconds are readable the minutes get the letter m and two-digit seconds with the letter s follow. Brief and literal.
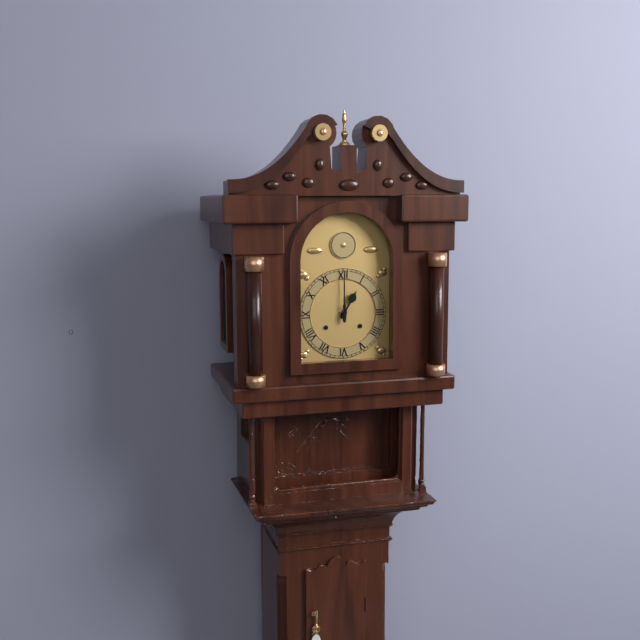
1h00
